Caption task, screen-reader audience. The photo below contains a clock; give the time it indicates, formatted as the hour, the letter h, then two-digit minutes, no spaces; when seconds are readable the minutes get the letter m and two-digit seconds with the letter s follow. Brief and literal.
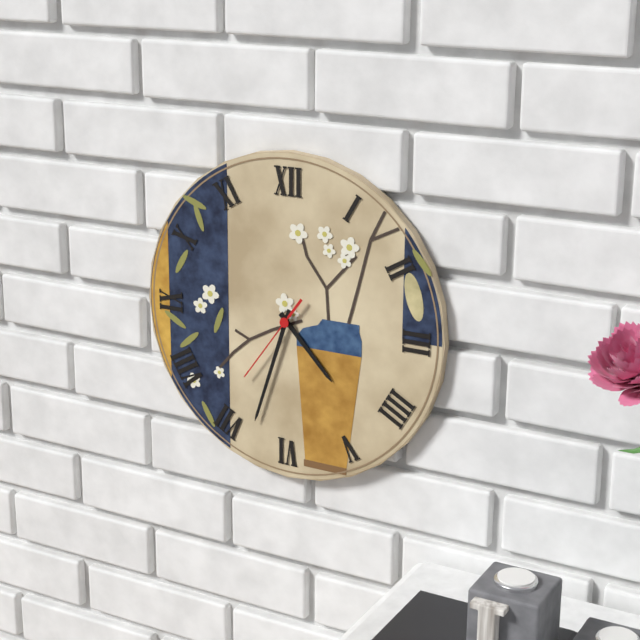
4h33m36s
